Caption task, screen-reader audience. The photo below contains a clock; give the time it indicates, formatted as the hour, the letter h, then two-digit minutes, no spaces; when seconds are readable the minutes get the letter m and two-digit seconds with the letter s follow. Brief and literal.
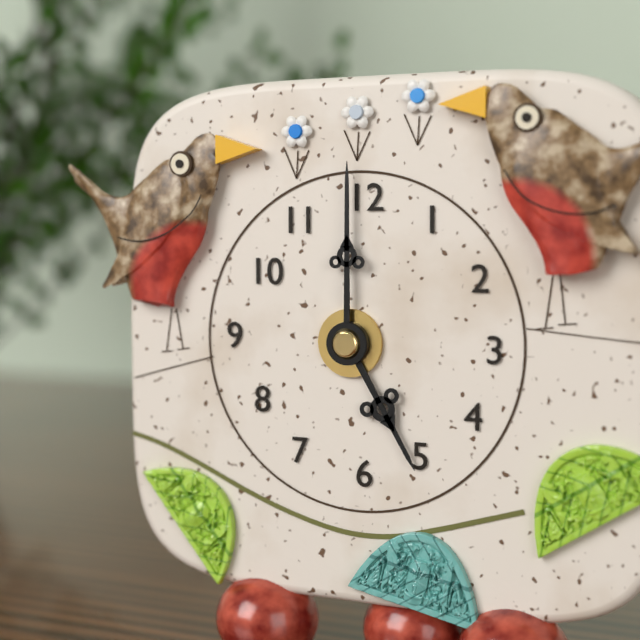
5h00
